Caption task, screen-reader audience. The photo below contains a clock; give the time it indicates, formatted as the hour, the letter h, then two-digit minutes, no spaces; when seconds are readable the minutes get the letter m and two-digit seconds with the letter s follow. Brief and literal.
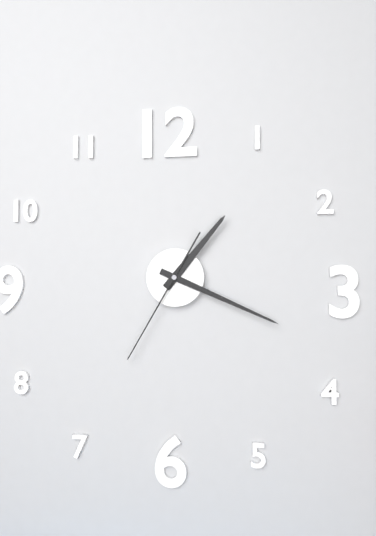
1h19m35s
